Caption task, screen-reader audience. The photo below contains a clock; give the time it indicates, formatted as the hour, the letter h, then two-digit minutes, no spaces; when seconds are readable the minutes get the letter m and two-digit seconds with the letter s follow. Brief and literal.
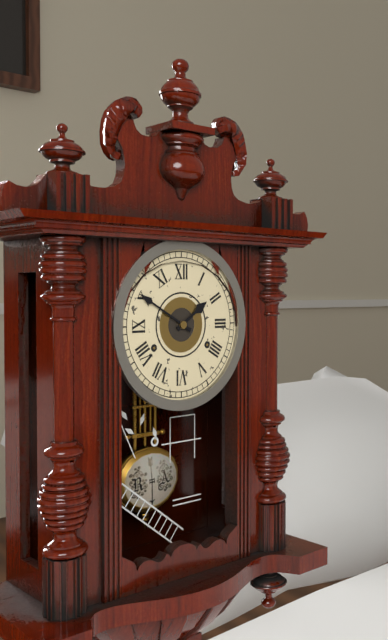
1h50
